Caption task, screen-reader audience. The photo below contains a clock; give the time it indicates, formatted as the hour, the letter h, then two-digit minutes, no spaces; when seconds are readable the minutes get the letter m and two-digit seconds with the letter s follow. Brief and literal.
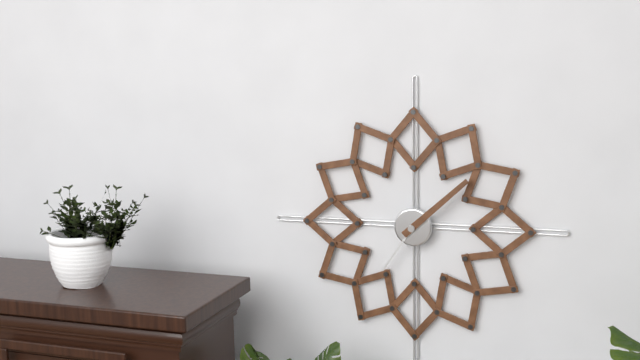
7h08
